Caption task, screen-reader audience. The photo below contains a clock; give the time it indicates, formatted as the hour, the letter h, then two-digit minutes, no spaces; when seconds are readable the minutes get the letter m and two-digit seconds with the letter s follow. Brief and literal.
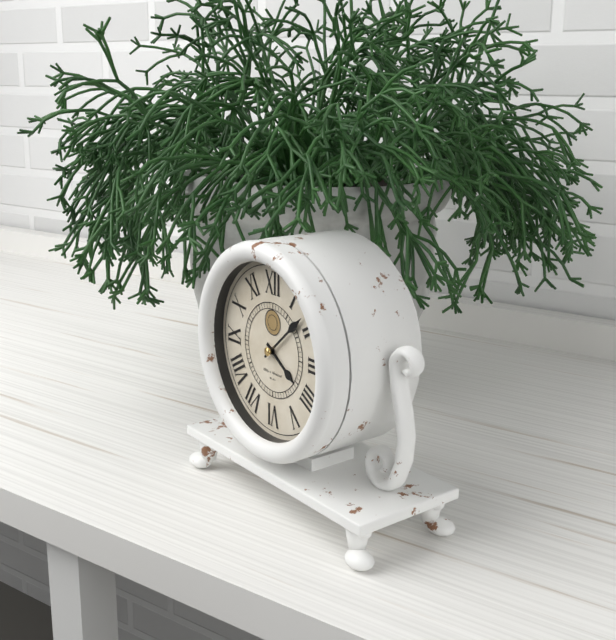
4h08
